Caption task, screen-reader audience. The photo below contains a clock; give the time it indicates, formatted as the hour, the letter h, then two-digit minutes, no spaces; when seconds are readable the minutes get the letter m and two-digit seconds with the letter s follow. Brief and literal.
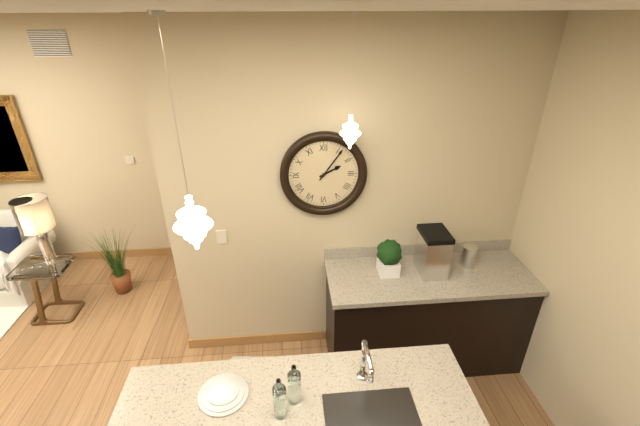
2h06
